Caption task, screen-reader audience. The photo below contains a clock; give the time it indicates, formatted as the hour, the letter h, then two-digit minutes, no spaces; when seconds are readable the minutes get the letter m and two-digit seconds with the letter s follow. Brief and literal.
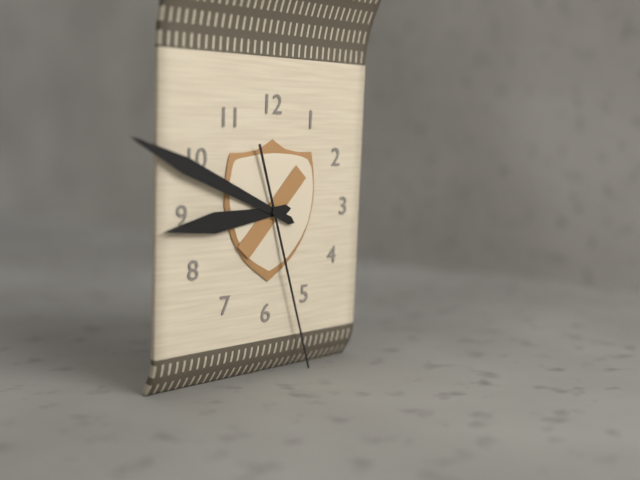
8h49m27s
